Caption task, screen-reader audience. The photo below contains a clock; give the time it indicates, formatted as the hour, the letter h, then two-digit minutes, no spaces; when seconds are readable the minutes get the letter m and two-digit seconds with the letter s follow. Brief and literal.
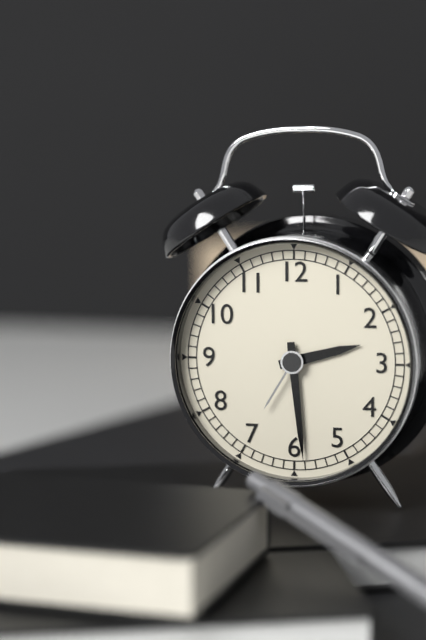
2h29
